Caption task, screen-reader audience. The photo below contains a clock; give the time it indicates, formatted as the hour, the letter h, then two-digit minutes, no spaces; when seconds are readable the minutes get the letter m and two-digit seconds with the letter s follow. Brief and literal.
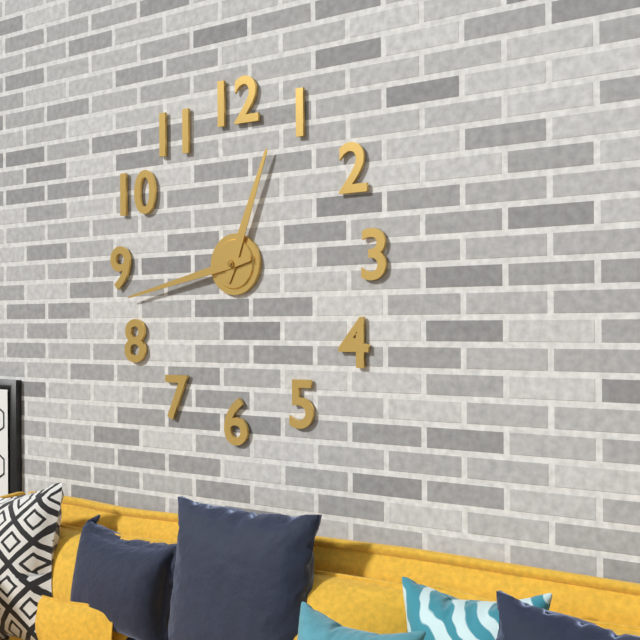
12h43
